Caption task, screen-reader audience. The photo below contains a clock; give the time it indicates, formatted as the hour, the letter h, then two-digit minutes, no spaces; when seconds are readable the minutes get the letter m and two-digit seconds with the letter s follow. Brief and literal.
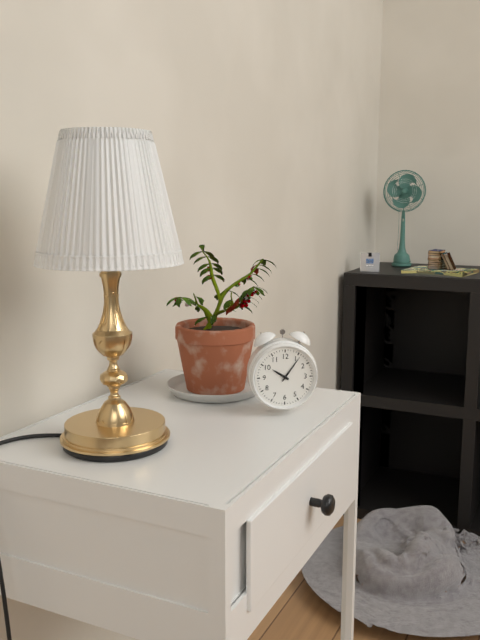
10h06
